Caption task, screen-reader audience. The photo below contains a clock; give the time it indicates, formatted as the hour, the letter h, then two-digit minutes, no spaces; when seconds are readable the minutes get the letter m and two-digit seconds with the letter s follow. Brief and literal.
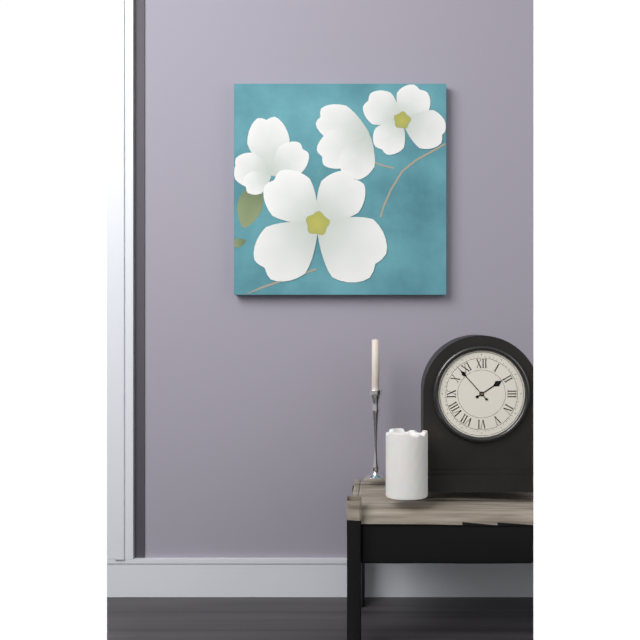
1h53
